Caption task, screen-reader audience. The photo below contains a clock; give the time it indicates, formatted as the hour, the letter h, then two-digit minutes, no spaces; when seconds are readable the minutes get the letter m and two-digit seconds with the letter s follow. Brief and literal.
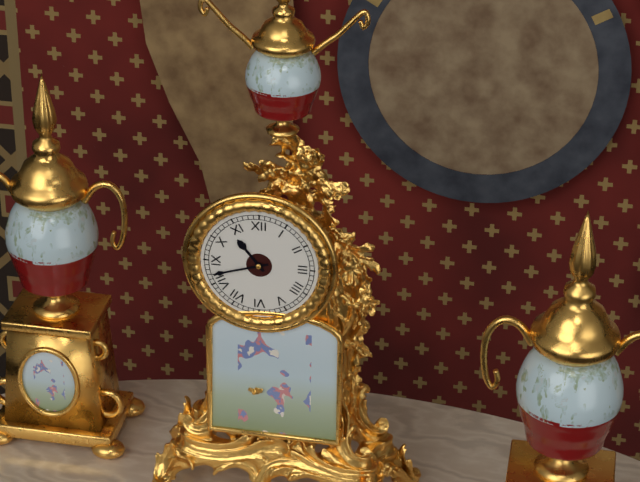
10h42
